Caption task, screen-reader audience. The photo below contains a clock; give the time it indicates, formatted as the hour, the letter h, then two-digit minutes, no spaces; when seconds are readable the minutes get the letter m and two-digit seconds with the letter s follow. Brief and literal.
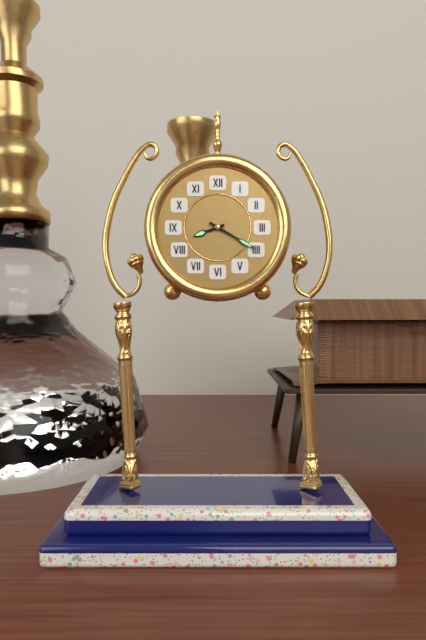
8h20
